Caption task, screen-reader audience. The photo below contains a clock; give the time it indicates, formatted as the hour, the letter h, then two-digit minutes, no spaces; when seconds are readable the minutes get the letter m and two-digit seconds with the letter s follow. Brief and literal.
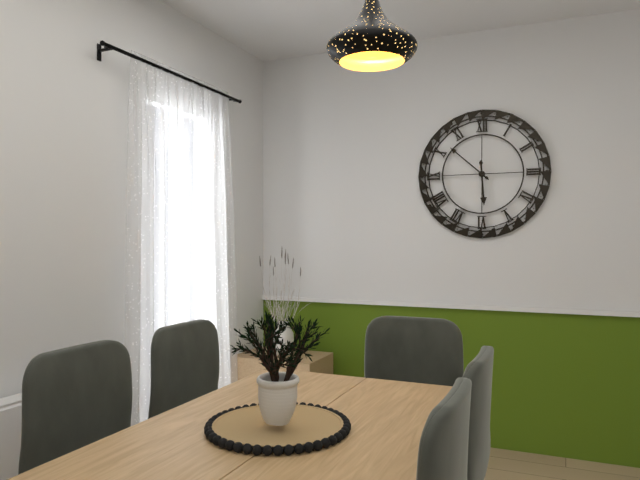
5h52
